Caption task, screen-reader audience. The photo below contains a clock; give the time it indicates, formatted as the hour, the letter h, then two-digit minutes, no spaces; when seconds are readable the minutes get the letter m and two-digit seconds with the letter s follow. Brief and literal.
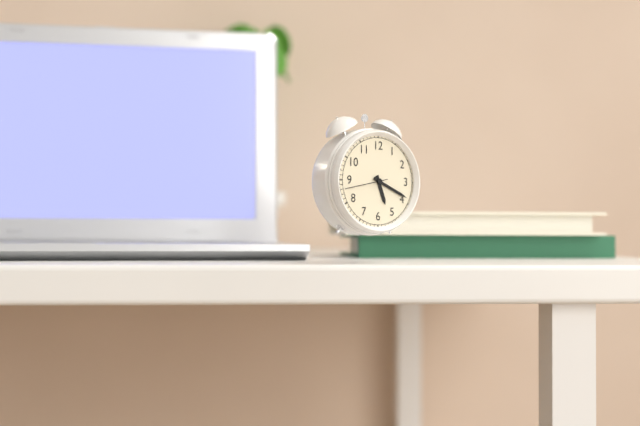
5h19
